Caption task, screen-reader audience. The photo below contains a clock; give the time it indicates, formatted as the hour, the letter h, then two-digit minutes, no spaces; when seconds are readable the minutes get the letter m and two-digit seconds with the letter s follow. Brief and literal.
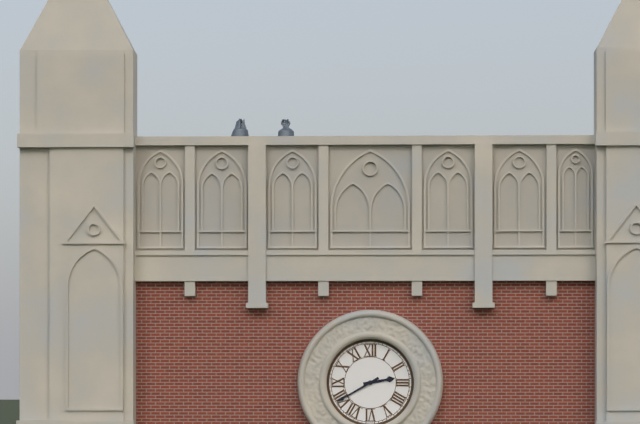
2h40
